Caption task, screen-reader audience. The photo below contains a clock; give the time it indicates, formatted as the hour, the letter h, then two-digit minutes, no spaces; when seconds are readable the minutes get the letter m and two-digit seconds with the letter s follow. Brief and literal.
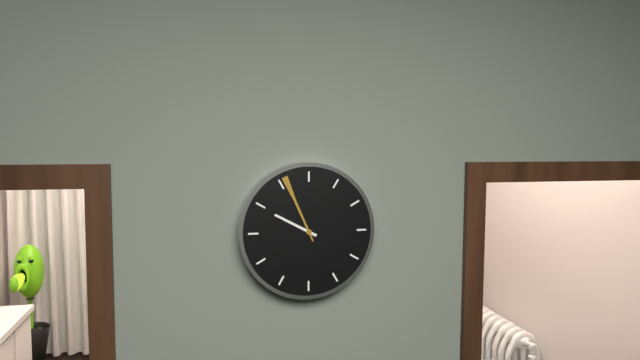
9h56
